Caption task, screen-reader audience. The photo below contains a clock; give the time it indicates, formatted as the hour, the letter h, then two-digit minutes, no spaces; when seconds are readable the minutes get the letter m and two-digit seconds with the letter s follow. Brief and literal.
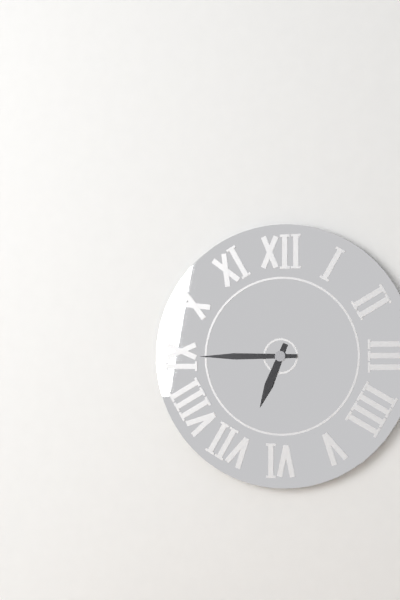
6h45
